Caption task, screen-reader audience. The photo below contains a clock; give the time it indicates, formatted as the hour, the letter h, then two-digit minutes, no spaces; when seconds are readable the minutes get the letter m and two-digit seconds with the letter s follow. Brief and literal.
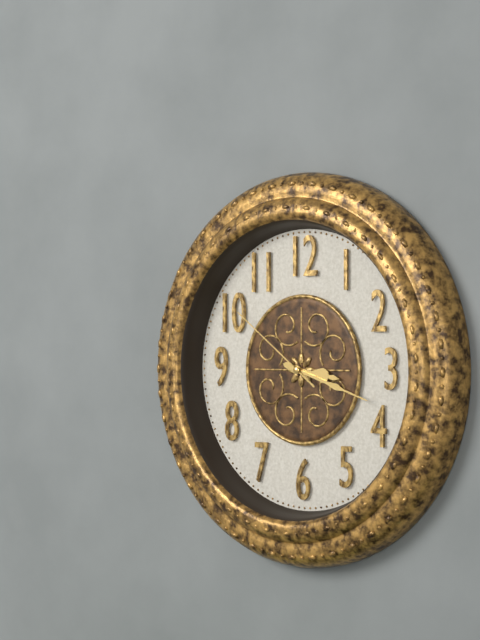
3h18m51s
